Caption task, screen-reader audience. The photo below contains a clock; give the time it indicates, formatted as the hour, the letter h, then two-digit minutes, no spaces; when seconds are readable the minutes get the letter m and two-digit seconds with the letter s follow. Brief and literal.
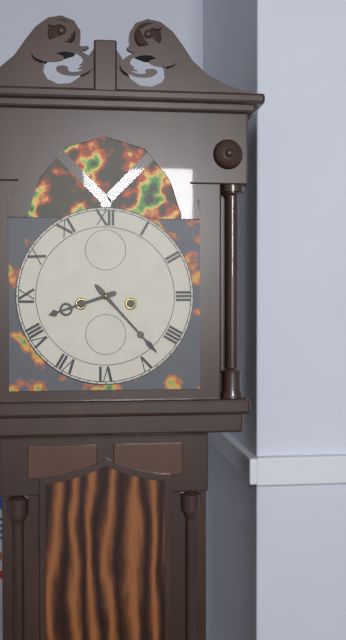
8h23
